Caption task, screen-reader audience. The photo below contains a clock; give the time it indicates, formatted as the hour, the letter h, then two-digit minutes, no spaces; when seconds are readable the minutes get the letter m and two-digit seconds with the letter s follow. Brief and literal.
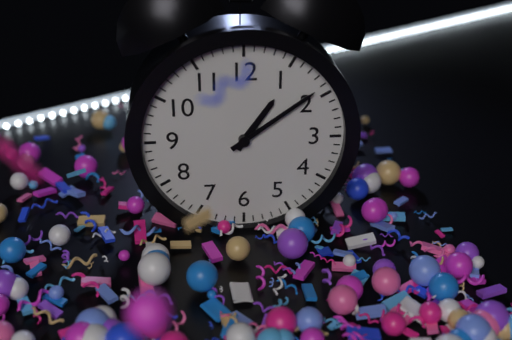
1h09
